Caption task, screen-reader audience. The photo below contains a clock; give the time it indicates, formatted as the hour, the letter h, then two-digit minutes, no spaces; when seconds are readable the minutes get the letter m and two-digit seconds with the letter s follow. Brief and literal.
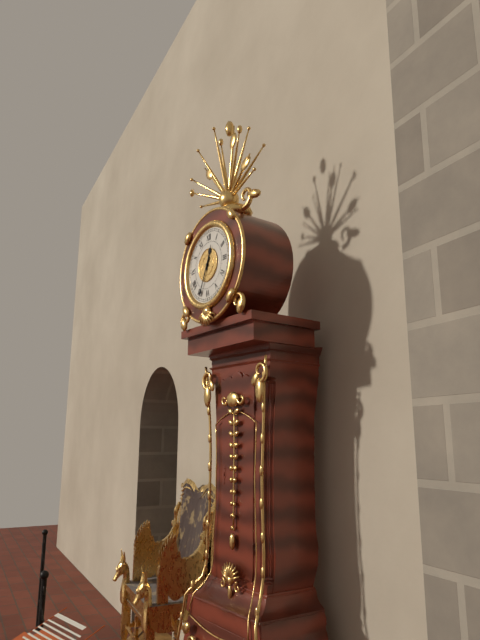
12h34
